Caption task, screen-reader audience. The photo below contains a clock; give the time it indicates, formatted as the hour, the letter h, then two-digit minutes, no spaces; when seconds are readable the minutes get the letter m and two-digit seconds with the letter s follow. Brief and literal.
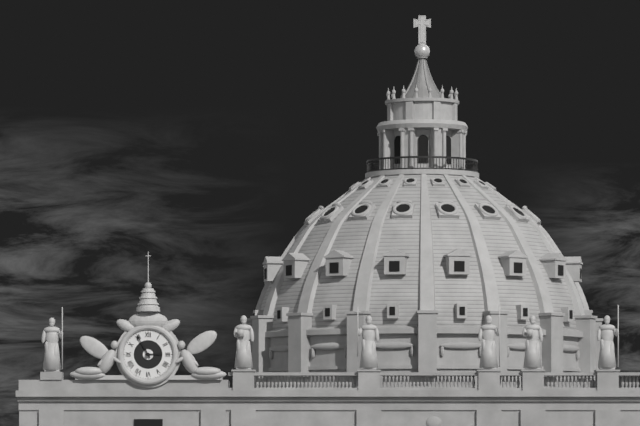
2h55
